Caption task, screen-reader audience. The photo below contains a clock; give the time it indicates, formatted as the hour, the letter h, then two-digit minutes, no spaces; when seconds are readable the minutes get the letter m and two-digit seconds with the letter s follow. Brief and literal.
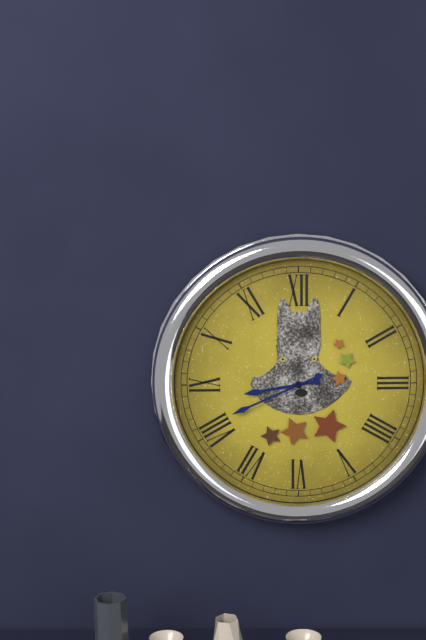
8h41
